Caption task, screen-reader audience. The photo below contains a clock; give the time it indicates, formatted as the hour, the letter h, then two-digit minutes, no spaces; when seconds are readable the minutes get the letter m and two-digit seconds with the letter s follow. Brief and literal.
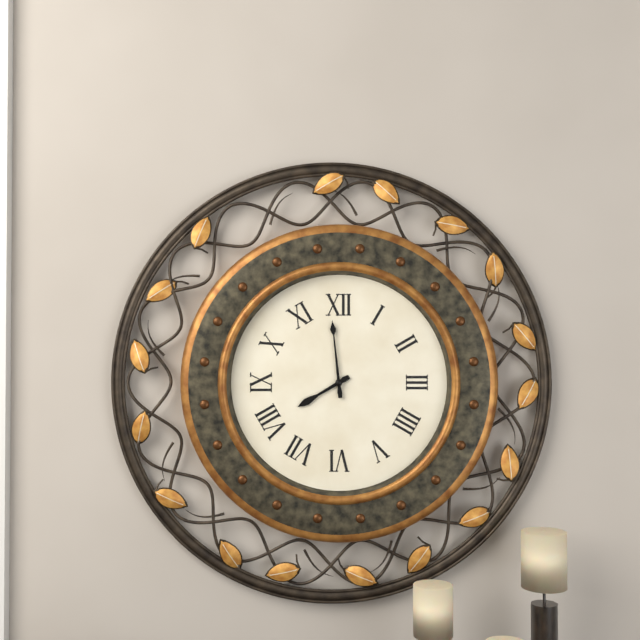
7h59
